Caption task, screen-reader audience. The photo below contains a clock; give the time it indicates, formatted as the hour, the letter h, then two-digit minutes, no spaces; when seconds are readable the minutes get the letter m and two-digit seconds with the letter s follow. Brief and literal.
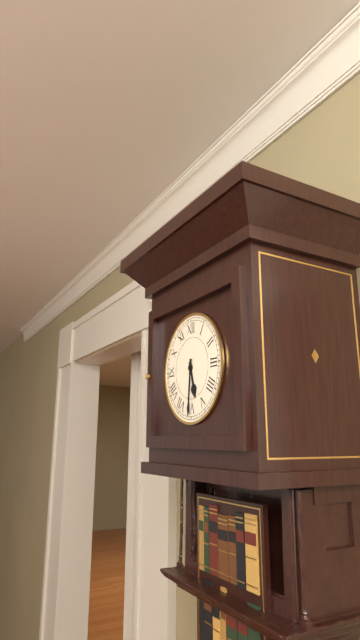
5h31
